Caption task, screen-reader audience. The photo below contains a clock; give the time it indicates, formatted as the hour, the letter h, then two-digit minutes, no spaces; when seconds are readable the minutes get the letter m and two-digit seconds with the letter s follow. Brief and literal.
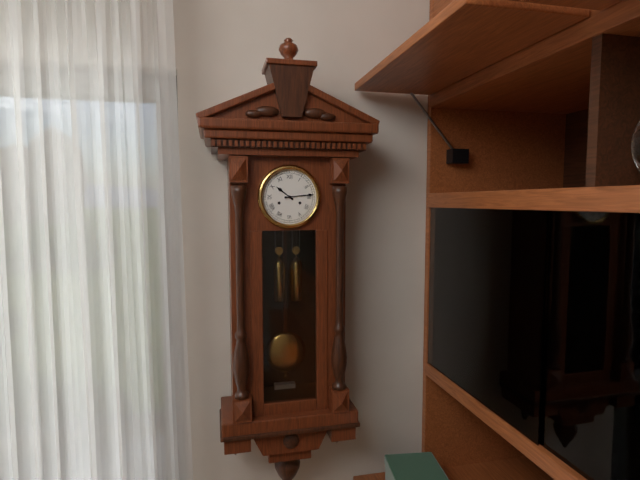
10h14
